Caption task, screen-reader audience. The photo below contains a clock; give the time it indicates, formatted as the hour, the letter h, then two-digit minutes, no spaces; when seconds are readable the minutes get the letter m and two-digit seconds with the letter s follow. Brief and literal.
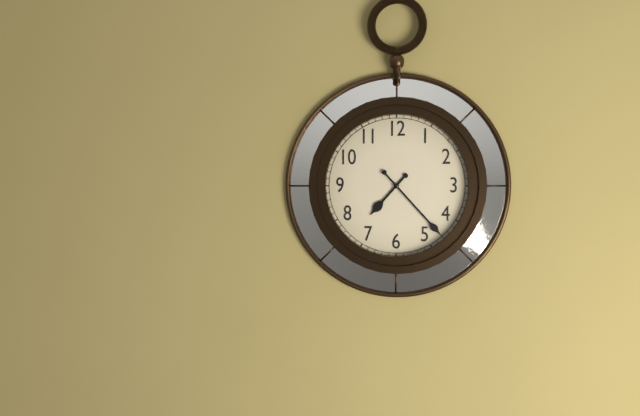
7h23
